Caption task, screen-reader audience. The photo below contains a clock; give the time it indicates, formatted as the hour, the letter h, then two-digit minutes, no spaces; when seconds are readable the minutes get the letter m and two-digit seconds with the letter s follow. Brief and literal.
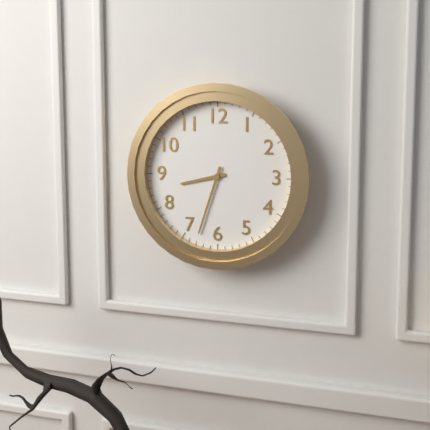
8h33
